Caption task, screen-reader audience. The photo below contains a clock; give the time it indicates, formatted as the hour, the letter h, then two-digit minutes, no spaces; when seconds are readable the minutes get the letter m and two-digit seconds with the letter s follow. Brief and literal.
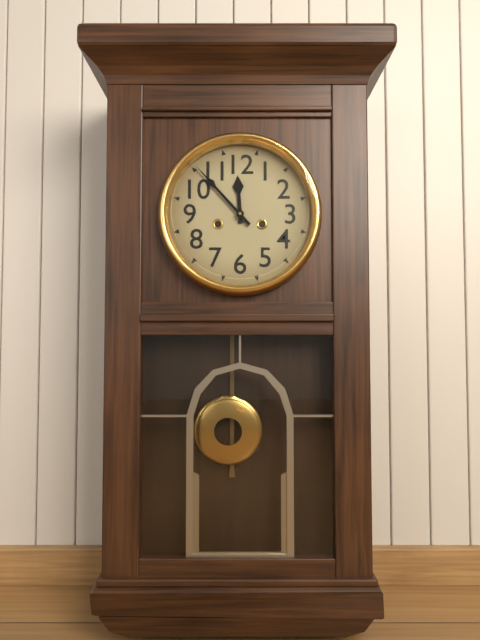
11h53
